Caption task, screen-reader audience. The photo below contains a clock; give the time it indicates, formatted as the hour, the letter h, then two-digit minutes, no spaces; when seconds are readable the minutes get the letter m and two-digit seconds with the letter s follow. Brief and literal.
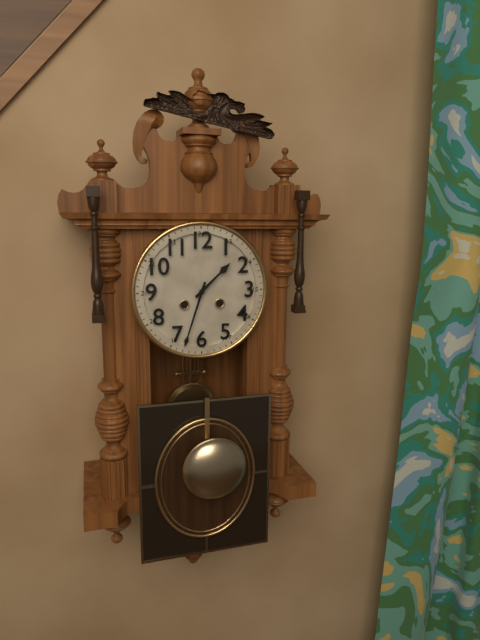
1h33
